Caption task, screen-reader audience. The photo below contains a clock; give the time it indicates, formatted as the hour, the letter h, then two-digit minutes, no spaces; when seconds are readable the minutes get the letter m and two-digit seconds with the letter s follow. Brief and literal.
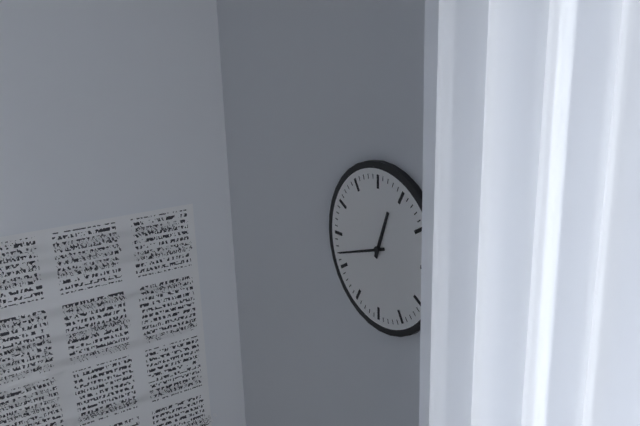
12h42
